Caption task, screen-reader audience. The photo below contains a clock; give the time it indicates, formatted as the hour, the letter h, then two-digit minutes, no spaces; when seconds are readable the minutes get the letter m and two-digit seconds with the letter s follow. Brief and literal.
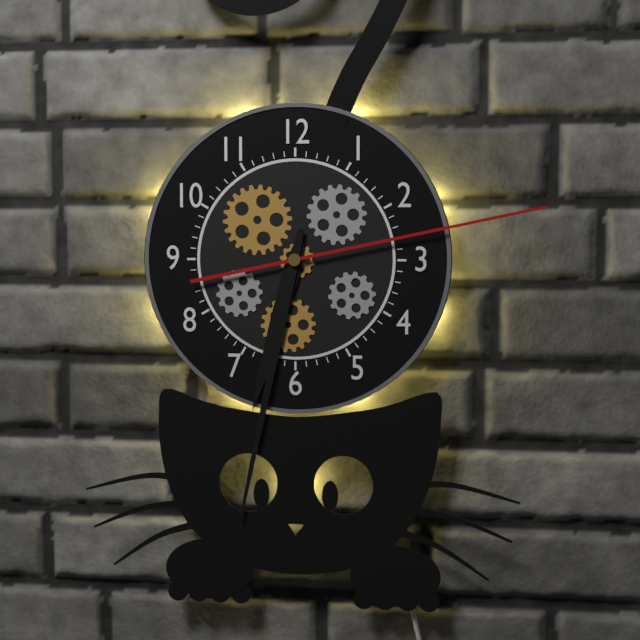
6h32m13s
